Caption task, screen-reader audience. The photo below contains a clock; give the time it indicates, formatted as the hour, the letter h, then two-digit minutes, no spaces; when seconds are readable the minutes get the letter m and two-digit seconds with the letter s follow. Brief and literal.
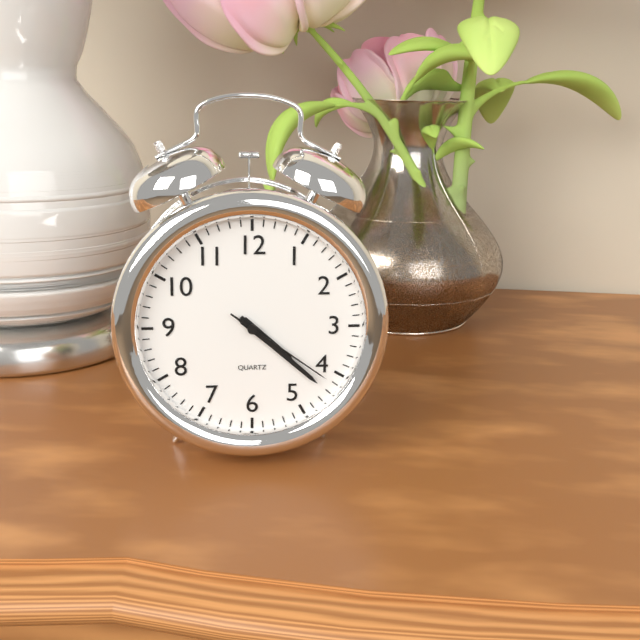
4h22m21s
